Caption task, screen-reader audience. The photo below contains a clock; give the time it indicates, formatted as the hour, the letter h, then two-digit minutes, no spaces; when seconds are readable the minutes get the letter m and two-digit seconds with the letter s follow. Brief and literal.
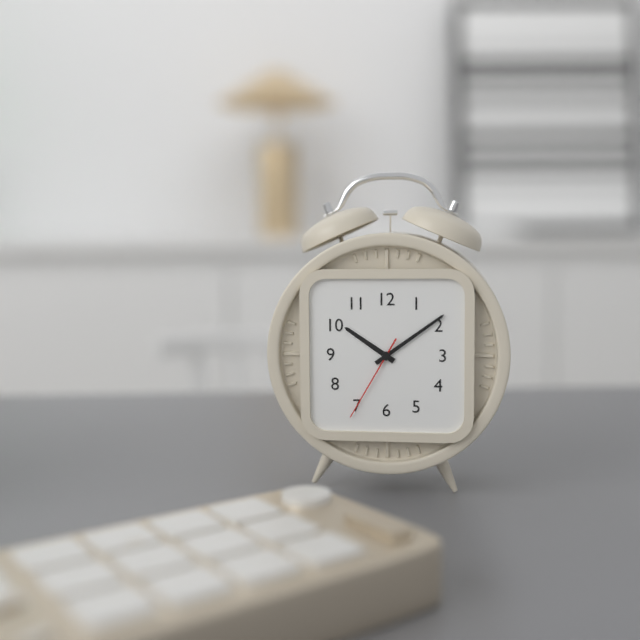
10h09m35s
